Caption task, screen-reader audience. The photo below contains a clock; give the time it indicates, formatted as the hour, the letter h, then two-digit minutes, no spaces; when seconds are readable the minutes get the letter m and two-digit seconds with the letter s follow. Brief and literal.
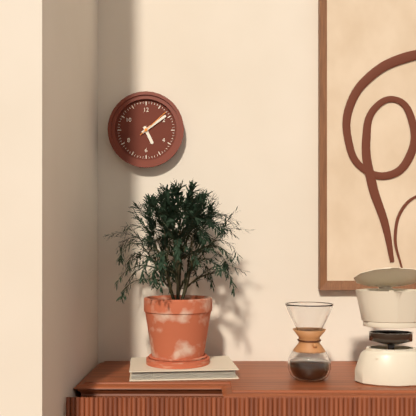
5h09
